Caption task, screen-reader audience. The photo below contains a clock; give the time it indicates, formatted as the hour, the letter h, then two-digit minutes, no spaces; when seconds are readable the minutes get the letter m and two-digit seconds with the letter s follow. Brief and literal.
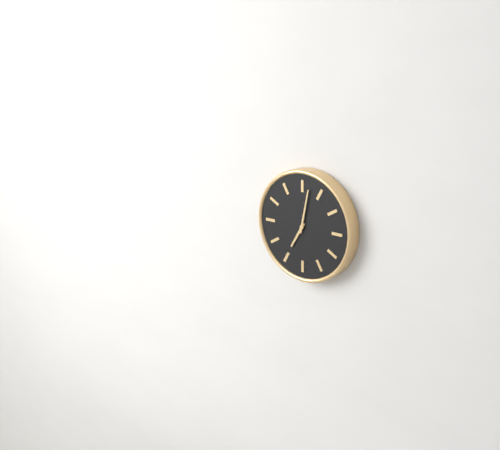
7h02
